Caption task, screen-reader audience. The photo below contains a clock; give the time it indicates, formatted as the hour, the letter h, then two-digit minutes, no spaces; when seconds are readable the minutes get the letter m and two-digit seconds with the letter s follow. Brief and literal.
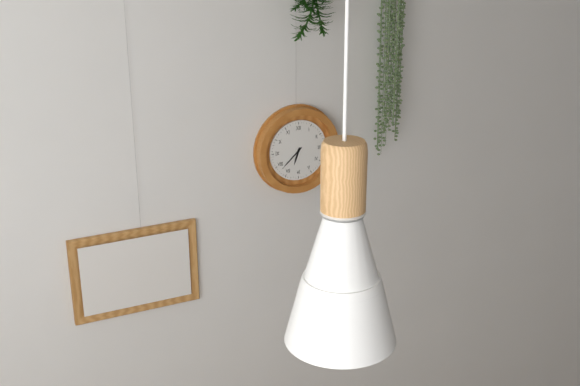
6h38
